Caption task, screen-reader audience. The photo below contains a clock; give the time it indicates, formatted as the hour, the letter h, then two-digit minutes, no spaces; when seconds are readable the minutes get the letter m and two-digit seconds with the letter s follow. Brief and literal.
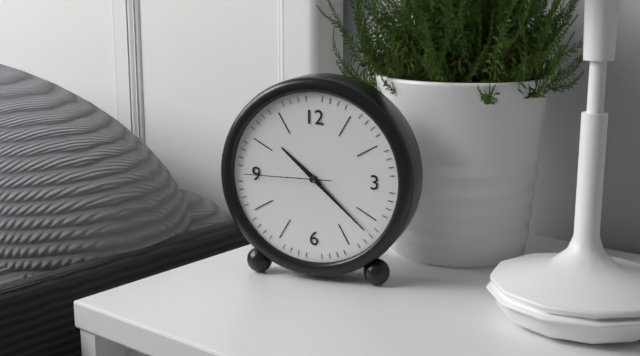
10h22m45s
